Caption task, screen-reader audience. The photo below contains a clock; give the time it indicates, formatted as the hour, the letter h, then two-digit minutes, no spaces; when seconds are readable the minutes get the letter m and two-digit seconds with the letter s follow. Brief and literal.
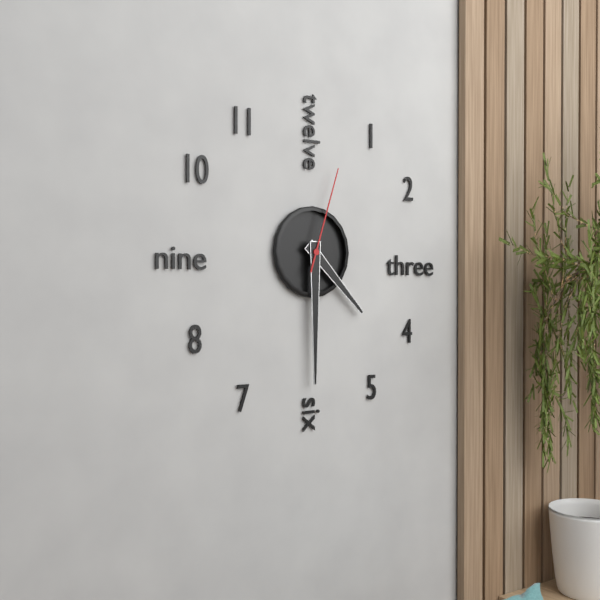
4h30m03s
